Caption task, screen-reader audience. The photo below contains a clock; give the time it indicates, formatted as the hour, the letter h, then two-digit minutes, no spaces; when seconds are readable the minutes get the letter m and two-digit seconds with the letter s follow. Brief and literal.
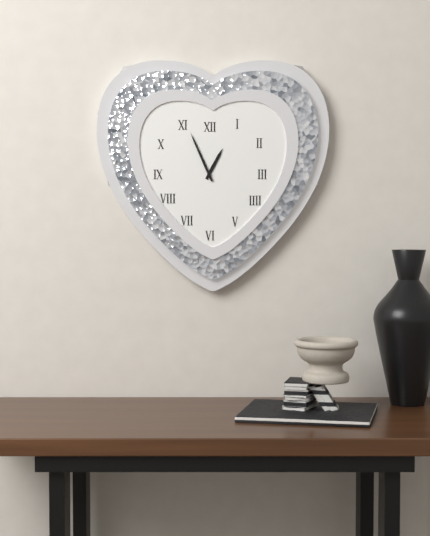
12h56
